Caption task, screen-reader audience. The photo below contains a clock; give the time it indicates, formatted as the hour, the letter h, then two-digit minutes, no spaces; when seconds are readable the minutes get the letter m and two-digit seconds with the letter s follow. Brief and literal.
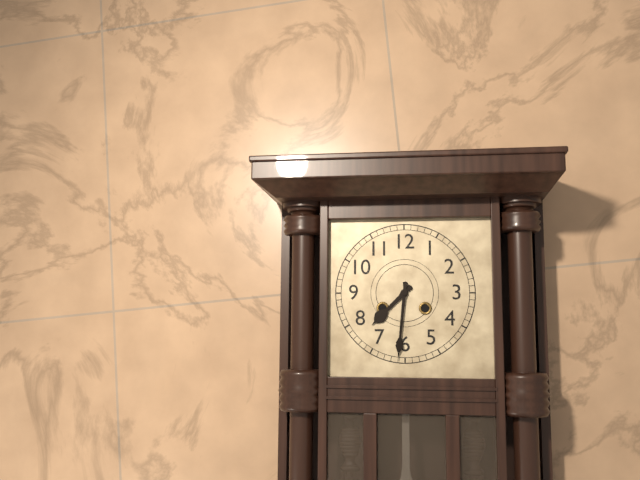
7h31
